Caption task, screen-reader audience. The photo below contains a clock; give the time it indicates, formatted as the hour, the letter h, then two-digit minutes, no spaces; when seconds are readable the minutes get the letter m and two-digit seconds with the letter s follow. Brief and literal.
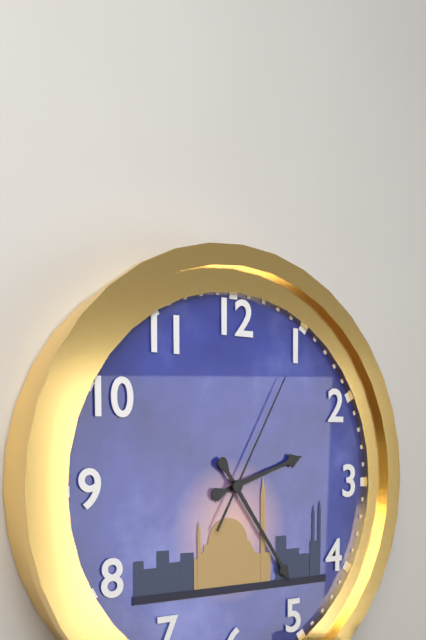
2h24m05s
